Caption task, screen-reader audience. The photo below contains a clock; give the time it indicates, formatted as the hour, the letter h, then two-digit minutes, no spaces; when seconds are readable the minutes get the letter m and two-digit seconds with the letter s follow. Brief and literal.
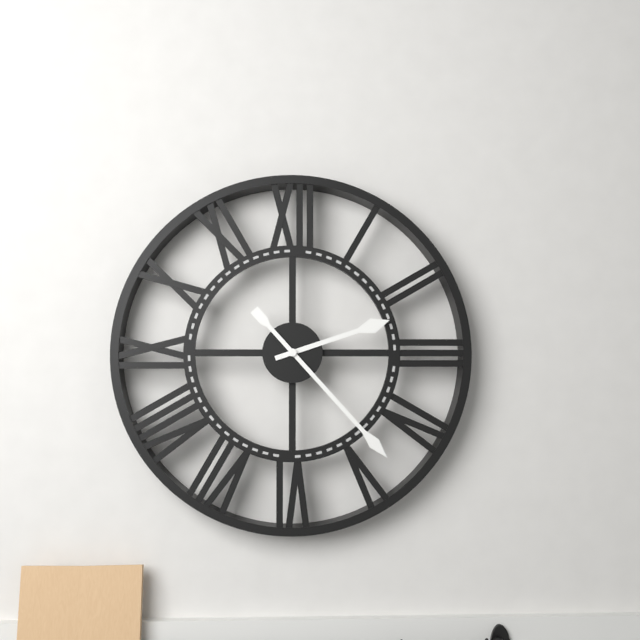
2h23
